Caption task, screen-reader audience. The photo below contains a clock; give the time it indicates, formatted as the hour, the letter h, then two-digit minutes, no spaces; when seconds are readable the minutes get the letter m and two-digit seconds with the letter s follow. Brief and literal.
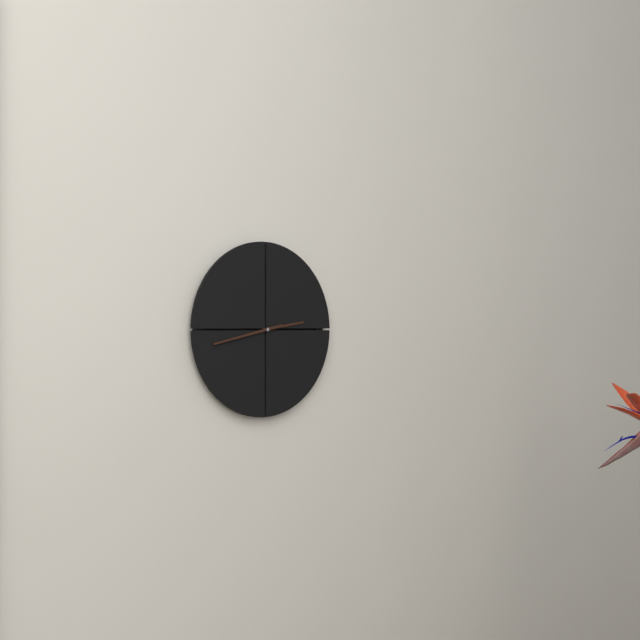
2h43
